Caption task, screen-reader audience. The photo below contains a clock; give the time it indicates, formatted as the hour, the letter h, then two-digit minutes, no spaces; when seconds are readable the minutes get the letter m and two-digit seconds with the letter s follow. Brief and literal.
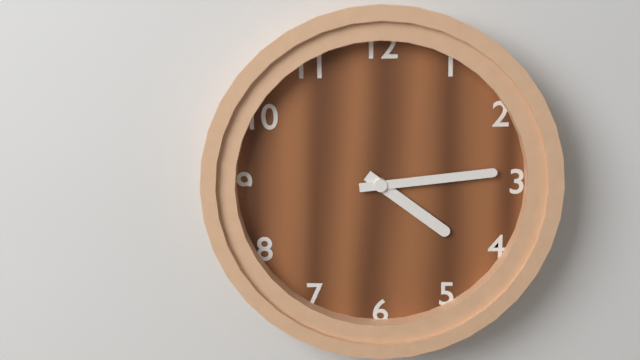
4h14
